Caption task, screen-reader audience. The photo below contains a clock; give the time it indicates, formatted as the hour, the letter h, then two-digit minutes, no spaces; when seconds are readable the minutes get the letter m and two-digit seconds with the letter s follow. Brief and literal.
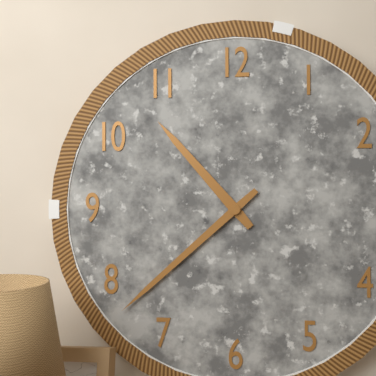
10h38
